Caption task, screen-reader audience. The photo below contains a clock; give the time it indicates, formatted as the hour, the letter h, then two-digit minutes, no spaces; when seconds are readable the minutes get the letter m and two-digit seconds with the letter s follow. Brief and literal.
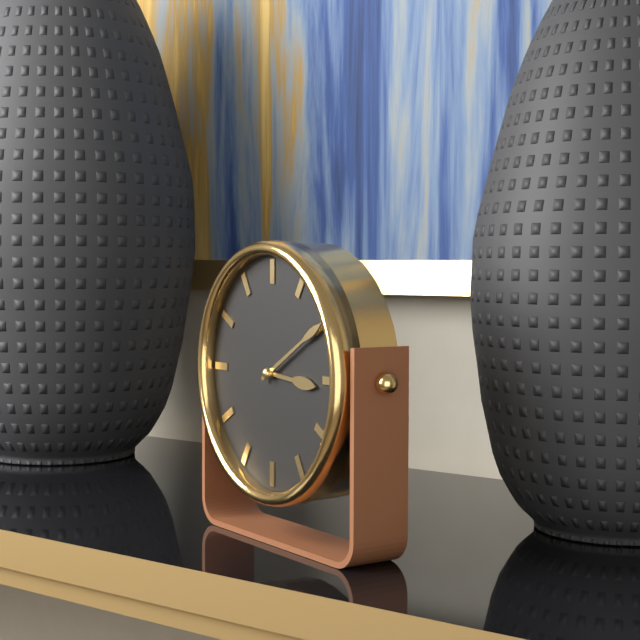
3h10
